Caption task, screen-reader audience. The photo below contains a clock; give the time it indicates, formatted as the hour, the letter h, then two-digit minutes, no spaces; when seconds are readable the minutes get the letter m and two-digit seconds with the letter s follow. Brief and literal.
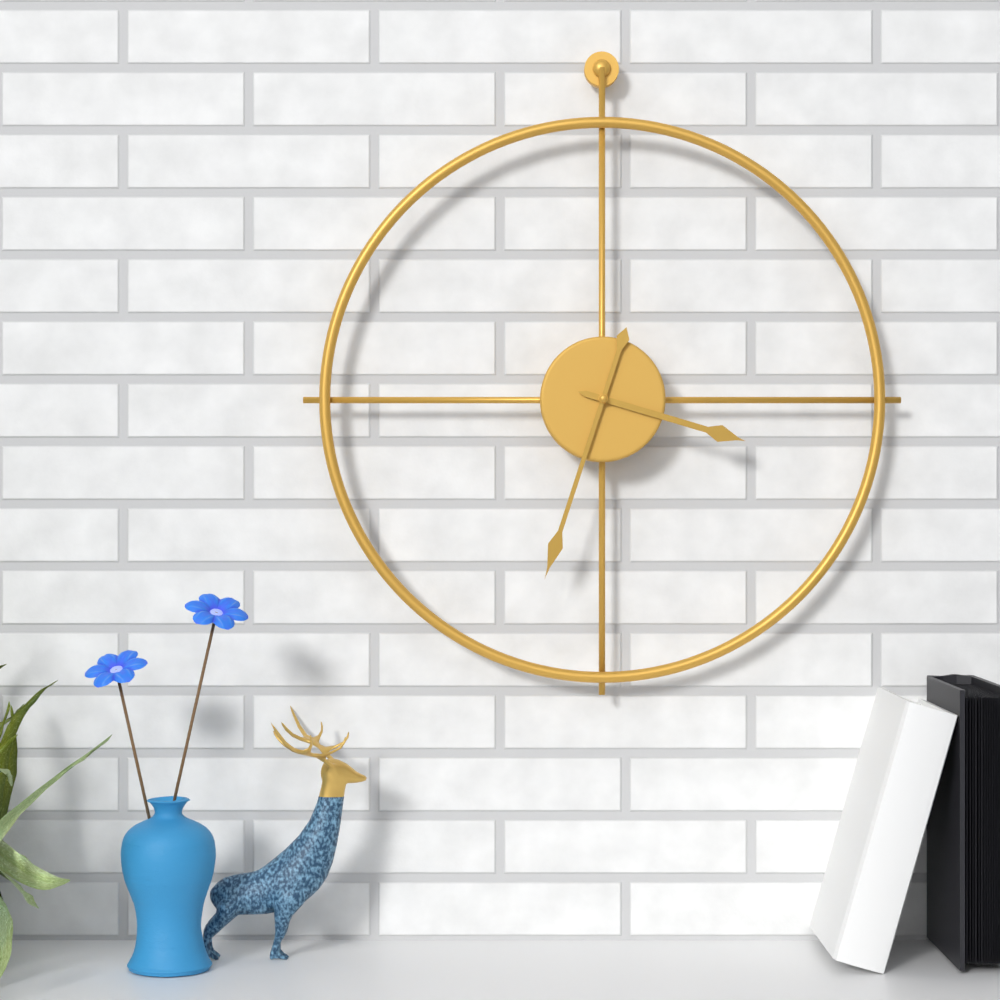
3h33
